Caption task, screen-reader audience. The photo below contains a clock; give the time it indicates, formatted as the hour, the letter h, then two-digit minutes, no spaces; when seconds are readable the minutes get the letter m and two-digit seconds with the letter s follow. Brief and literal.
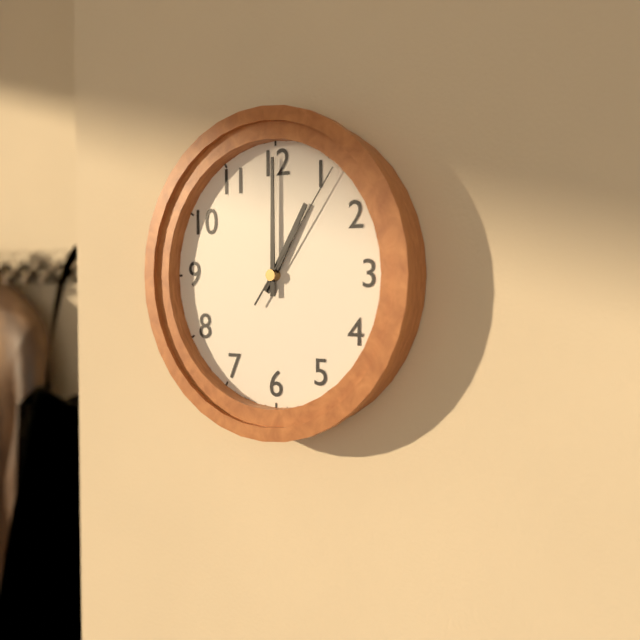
1h00m06s
